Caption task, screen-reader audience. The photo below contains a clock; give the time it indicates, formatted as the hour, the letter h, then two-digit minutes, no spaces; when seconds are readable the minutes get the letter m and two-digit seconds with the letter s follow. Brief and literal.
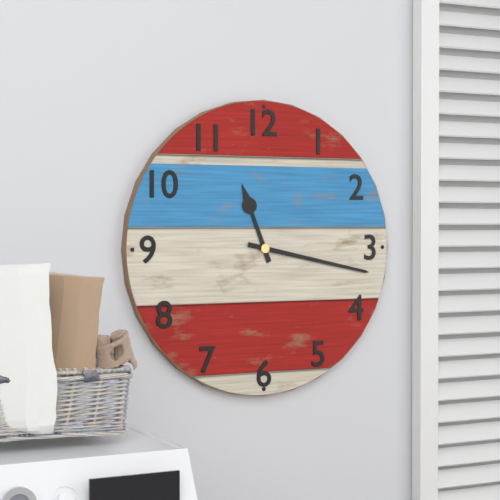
11h17
